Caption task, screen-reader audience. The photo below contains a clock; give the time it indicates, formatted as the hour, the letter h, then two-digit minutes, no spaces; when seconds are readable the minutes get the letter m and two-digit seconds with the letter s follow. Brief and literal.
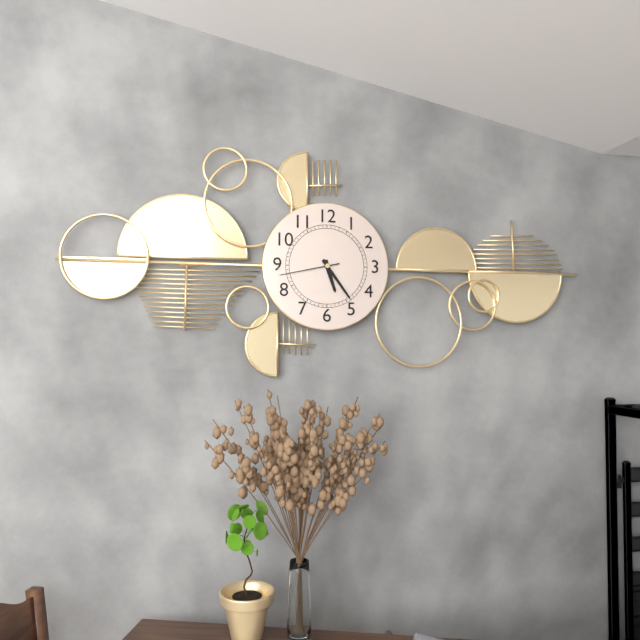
5h24m43s
